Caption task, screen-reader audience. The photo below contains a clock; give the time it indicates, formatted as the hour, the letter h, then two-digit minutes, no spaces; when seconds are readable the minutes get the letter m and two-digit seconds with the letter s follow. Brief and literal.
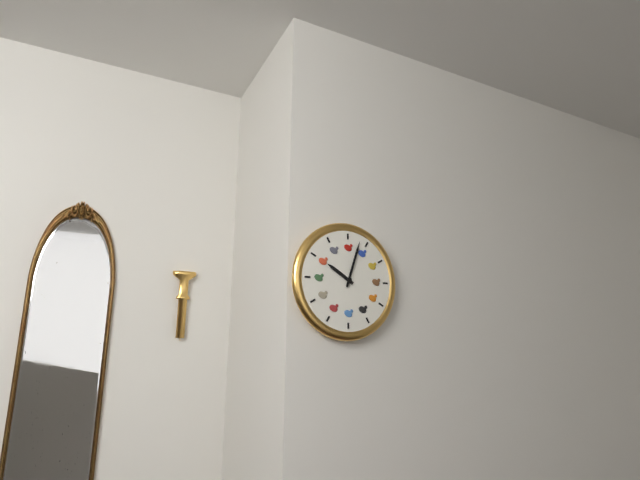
10h03
